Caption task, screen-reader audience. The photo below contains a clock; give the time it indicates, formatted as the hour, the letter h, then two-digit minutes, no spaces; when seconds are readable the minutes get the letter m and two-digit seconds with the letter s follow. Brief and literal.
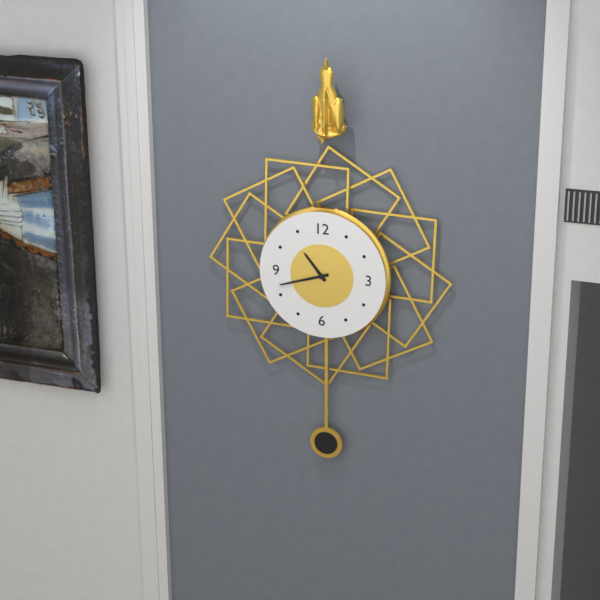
10h42
